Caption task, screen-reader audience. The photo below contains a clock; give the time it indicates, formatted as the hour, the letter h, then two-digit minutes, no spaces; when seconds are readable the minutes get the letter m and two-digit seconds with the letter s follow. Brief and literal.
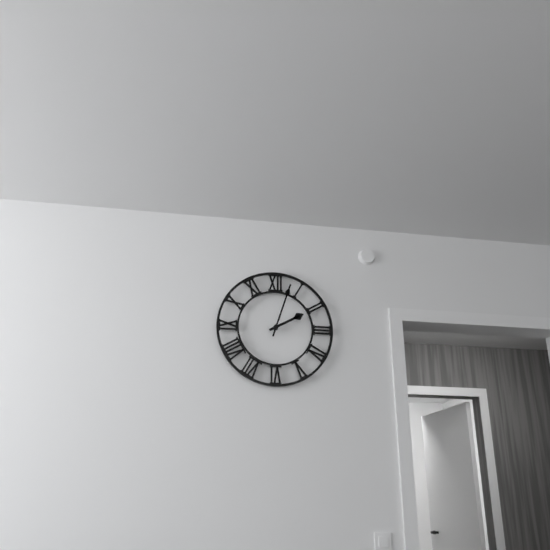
2h03
